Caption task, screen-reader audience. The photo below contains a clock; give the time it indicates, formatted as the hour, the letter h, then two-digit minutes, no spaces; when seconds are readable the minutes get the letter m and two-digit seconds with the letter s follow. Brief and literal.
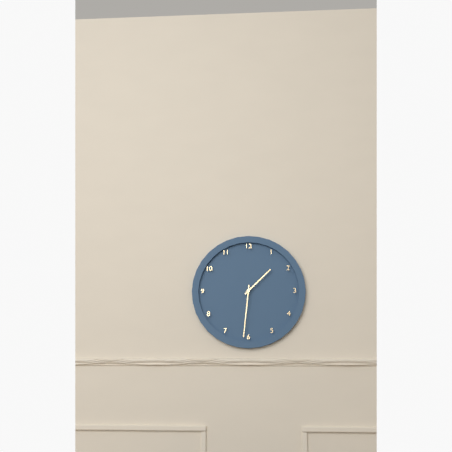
1h31
